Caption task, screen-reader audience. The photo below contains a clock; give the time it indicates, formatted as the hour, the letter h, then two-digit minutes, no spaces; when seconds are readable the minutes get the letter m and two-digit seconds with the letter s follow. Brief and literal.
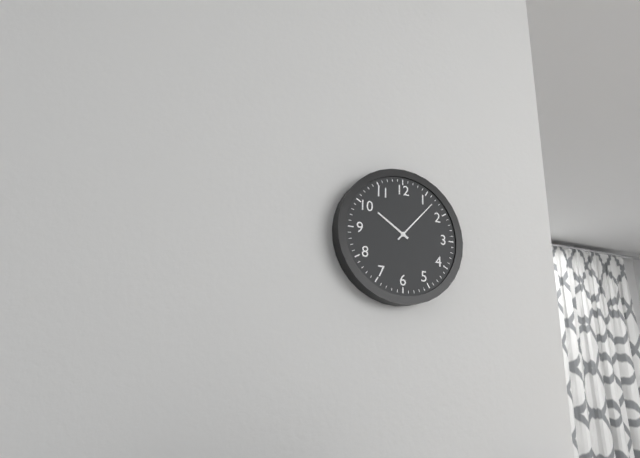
10h07
